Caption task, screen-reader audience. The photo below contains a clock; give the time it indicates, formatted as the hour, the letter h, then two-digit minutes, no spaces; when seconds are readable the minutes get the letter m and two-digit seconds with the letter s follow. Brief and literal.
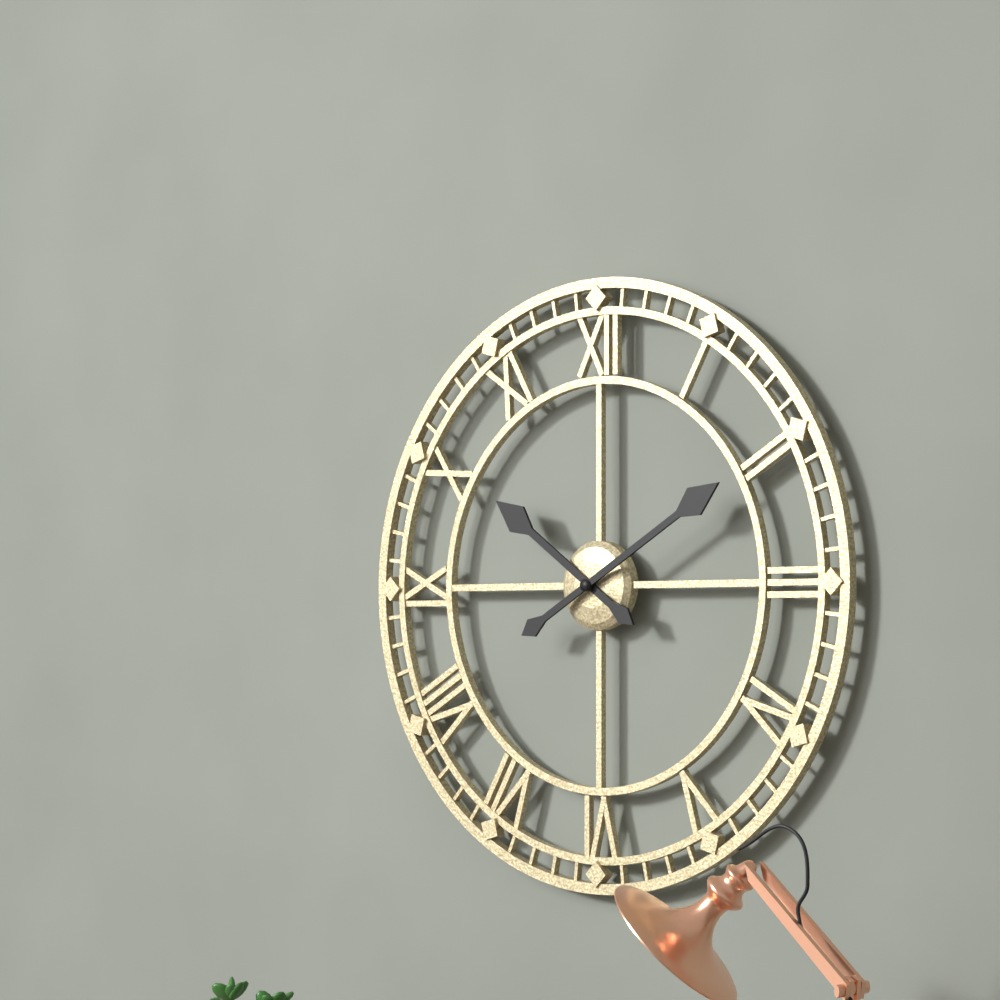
10h10
